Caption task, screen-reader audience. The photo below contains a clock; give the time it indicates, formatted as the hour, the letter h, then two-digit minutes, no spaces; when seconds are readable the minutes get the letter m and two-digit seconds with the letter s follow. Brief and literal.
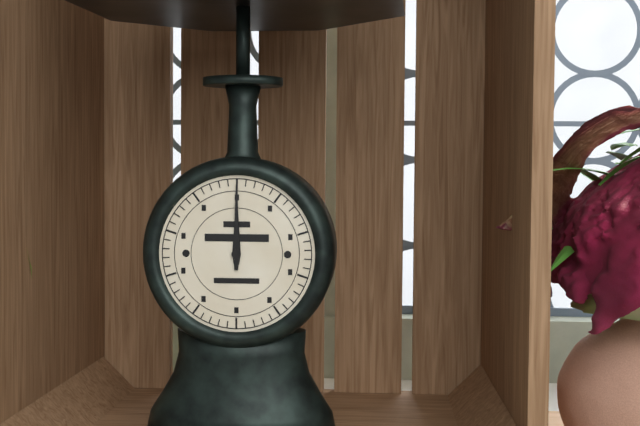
12h00
